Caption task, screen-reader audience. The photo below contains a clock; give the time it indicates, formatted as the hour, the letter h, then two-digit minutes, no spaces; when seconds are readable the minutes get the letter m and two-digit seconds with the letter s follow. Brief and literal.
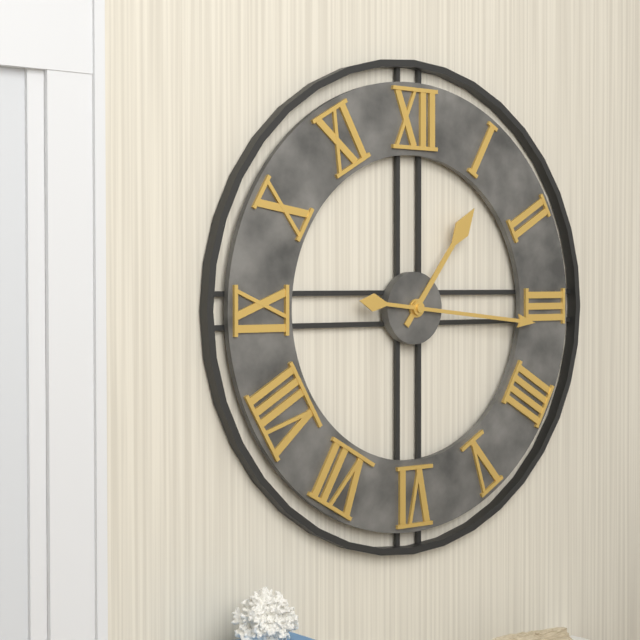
1h16
